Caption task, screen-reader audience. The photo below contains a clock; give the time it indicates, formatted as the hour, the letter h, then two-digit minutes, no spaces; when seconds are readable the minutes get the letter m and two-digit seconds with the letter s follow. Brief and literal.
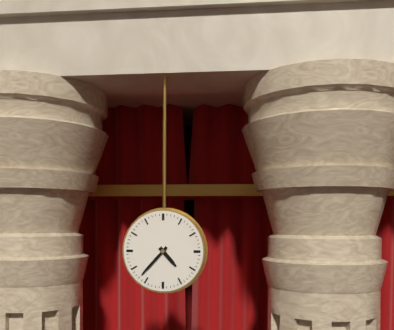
4h37
